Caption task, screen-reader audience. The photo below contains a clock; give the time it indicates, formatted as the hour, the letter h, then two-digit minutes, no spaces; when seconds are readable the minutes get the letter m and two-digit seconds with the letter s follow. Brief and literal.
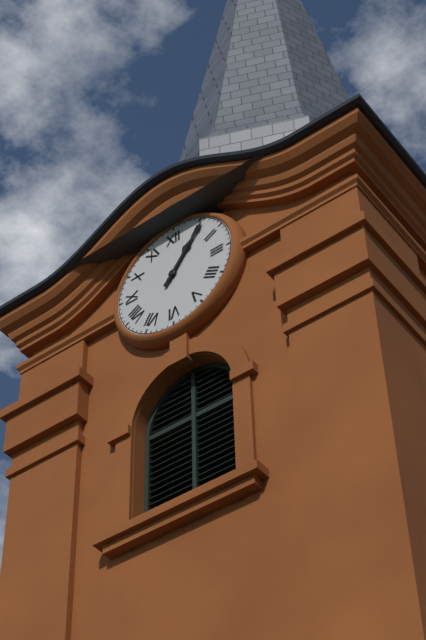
1h06
